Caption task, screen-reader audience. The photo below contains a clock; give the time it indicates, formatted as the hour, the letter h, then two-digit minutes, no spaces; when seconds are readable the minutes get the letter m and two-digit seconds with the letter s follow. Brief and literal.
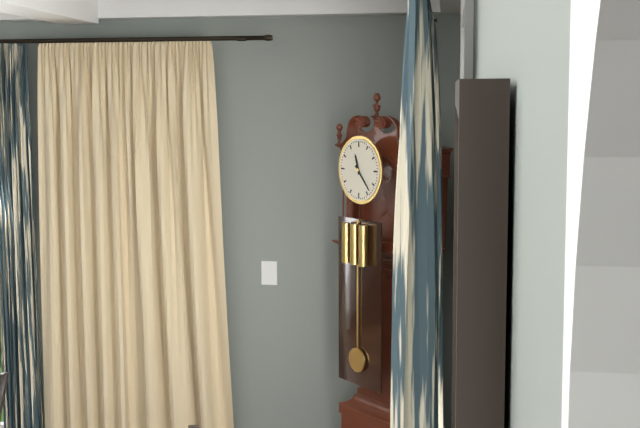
11h23
